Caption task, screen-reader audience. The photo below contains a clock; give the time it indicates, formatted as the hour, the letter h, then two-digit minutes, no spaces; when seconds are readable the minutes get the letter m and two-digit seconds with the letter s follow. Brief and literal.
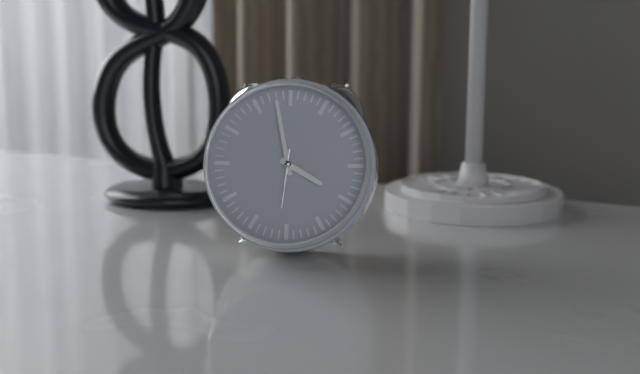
3h58m31s
